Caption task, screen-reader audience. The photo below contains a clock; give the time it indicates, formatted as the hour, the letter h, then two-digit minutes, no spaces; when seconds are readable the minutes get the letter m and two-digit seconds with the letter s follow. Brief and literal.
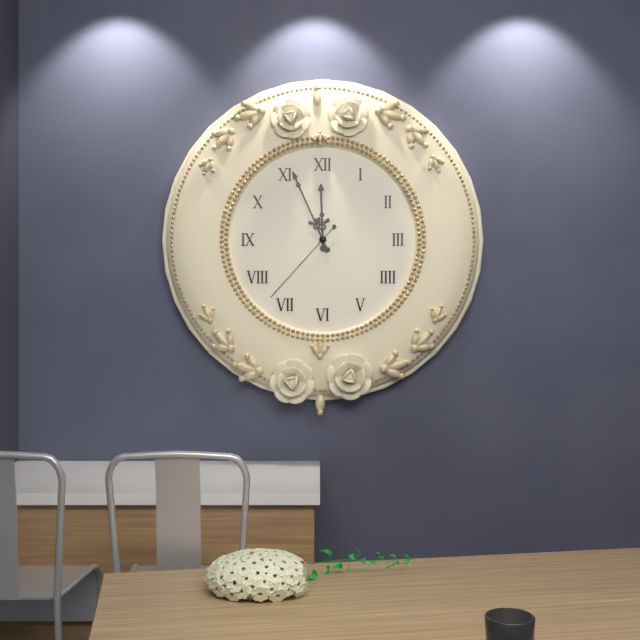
11h56m37s
